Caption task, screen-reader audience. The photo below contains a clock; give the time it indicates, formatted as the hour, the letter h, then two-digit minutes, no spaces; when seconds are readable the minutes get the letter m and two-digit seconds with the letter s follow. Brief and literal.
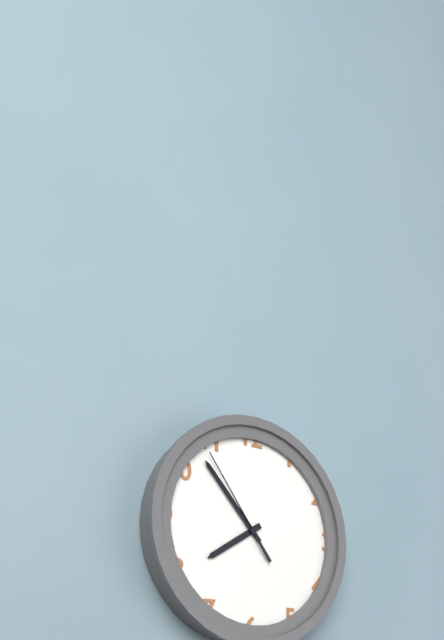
7h53m54s
